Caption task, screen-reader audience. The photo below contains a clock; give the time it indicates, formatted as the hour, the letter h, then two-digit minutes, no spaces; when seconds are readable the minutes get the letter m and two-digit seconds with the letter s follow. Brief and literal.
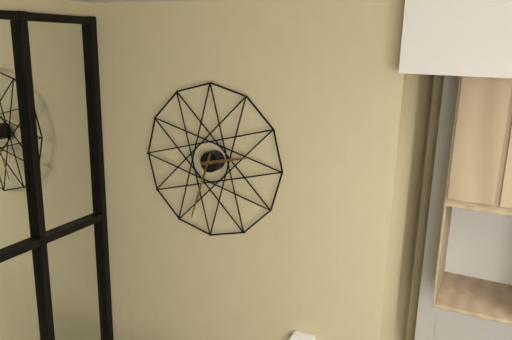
2h33
